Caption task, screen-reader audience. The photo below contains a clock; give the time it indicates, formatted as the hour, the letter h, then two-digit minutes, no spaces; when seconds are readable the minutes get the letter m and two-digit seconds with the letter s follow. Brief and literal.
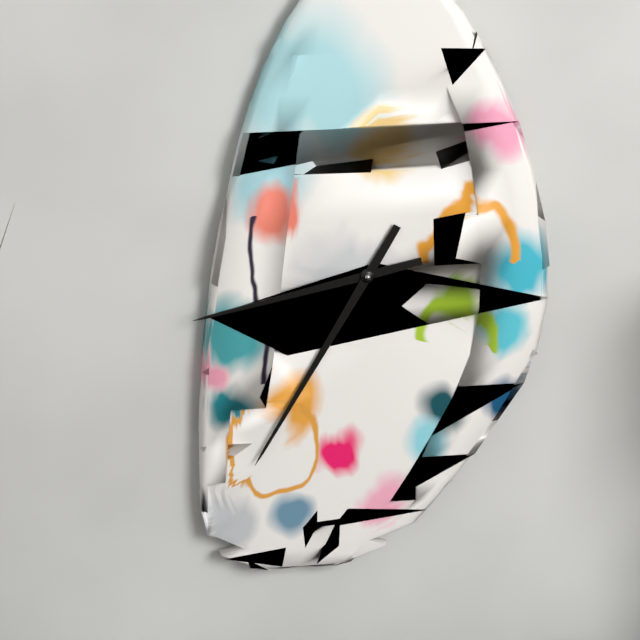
8h35
